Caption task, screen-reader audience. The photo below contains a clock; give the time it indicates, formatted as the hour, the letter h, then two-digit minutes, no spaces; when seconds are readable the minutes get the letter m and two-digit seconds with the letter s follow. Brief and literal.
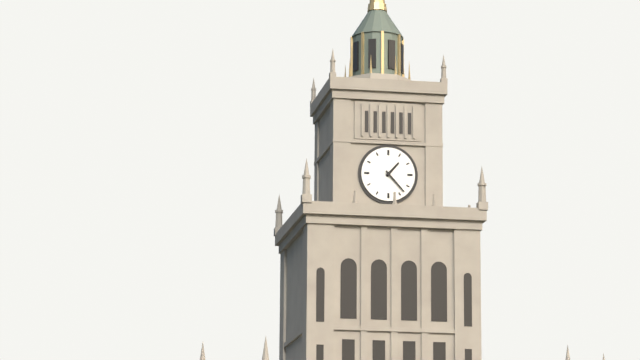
1h23
